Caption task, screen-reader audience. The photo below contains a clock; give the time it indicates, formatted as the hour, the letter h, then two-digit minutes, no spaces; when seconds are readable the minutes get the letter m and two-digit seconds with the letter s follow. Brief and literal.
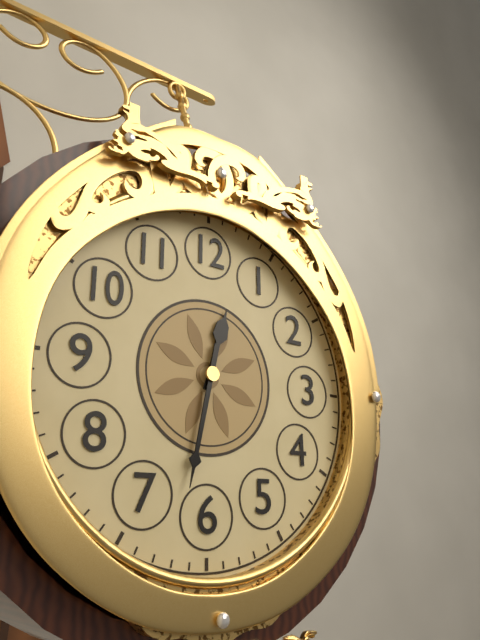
12h32
